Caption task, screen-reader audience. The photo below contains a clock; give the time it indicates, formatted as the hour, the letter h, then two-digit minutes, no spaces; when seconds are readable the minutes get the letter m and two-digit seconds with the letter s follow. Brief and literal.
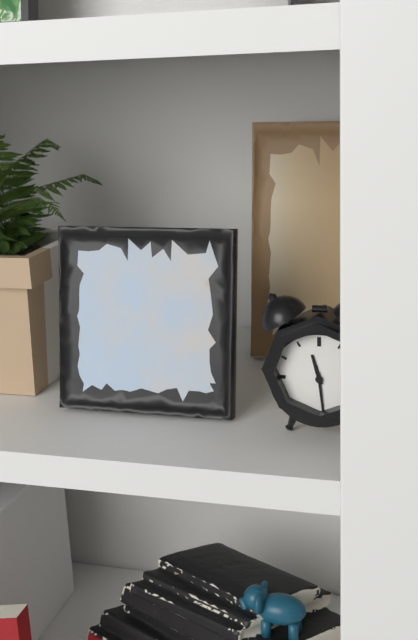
11h29
